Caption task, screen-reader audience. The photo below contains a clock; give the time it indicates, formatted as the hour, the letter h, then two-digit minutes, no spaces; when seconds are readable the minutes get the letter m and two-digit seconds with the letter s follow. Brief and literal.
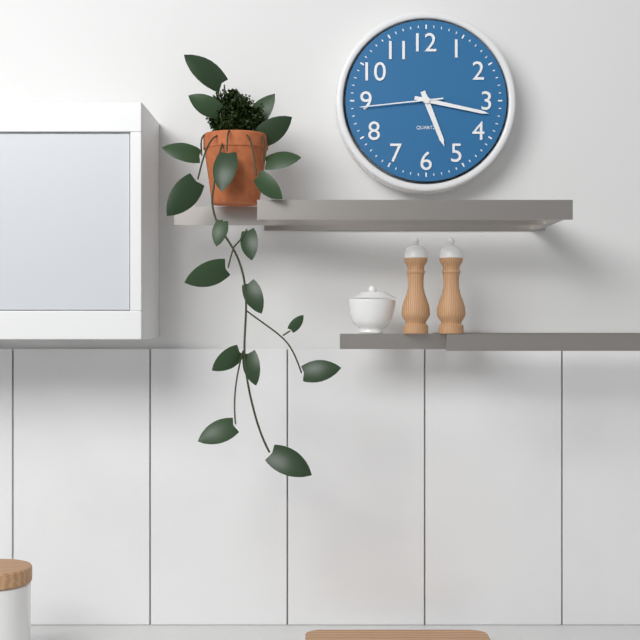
5h17m44s
